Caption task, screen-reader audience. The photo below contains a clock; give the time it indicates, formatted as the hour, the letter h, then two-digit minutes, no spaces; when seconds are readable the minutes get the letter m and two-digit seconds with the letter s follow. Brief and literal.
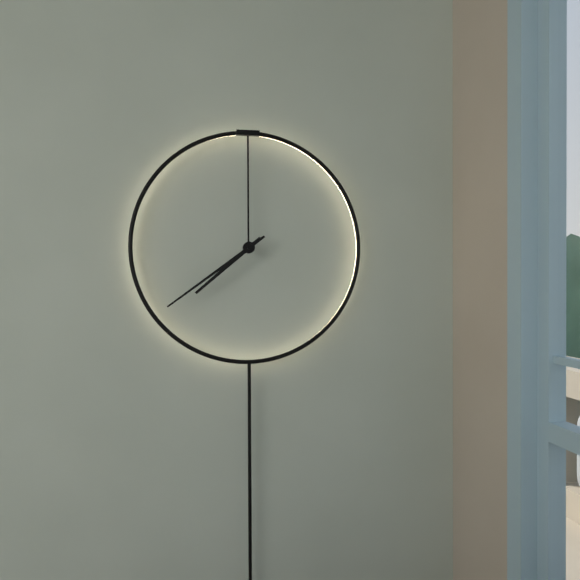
7h39
